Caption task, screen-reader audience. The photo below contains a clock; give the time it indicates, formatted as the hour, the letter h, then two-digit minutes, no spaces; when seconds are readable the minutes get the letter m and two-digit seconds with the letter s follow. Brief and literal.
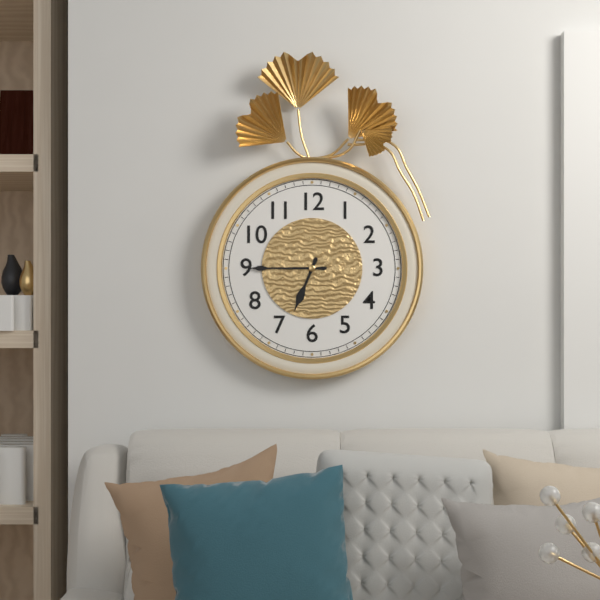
6h45
